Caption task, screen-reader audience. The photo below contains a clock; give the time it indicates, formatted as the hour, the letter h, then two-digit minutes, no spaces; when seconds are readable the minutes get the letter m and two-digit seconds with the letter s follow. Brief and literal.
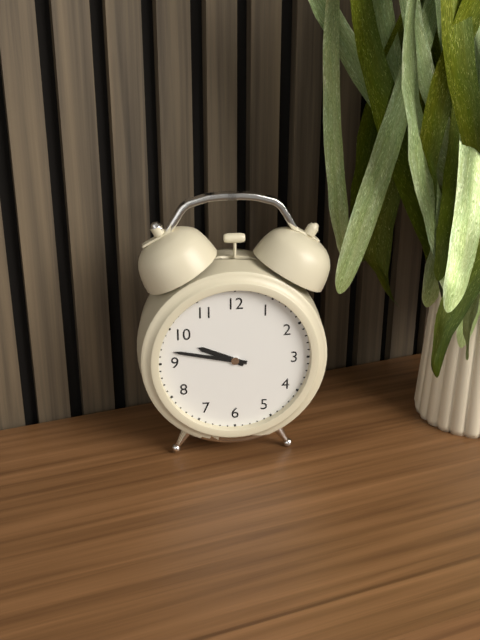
9h47
